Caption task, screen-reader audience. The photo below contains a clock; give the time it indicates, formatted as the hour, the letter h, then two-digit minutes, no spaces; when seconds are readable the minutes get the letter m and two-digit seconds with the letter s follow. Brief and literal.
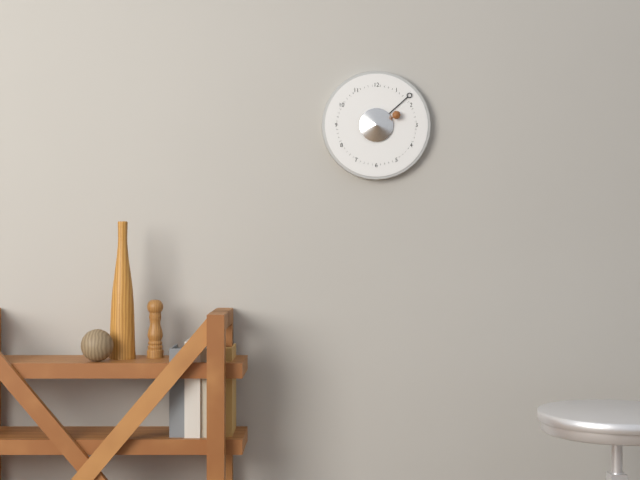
2h08
